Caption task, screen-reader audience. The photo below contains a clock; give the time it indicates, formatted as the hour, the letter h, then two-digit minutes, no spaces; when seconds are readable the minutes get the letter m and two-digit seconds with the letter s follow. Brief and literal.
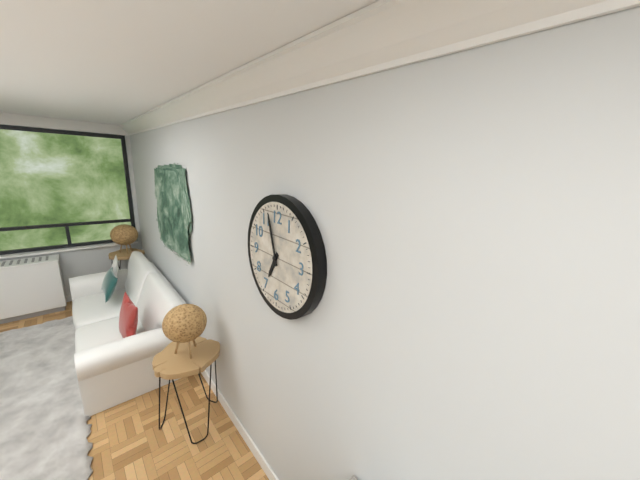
6h57
